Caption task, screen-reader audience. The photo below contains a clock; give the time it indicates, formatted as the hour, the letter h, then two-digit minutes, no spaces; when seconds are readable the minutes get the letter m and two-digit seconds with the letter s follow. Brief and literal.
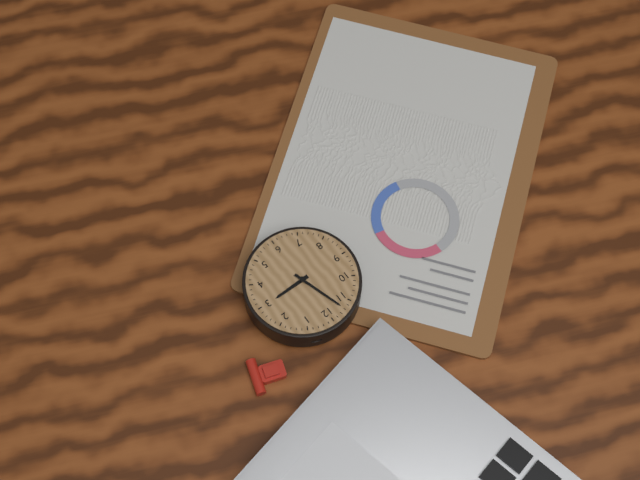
2h57
